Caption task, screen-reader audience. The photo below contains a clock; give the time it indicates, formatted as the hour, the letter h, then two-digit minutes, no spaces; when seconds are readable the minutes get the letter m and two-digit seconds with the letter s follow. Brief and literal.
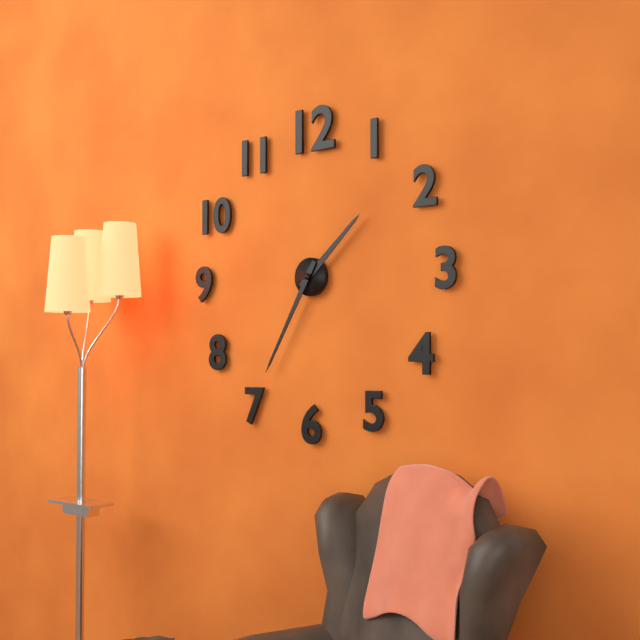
1h35
